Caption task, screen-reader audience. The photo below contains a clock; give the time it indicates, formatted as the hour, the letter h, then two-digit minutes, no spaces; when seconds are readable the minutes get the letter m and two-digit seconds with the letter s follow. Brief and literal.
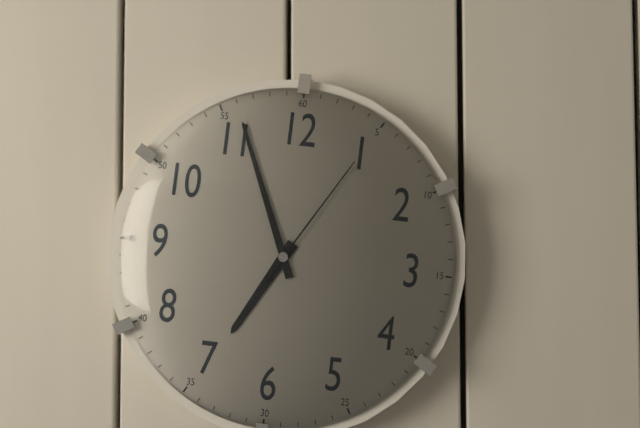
6h56m05s
